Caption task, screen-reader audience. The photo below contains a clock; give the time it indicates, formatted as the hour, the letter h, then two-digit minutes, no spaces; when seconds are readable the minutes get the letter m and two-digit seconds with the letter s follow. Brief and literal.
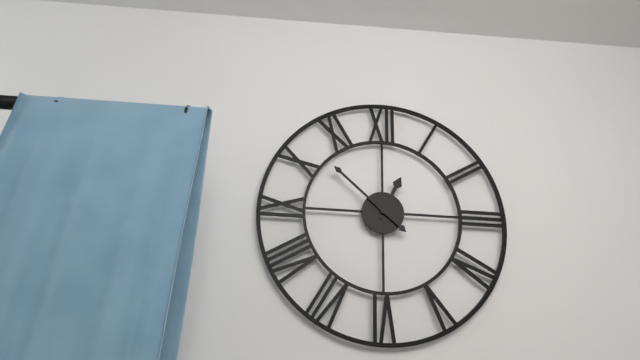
12h52
